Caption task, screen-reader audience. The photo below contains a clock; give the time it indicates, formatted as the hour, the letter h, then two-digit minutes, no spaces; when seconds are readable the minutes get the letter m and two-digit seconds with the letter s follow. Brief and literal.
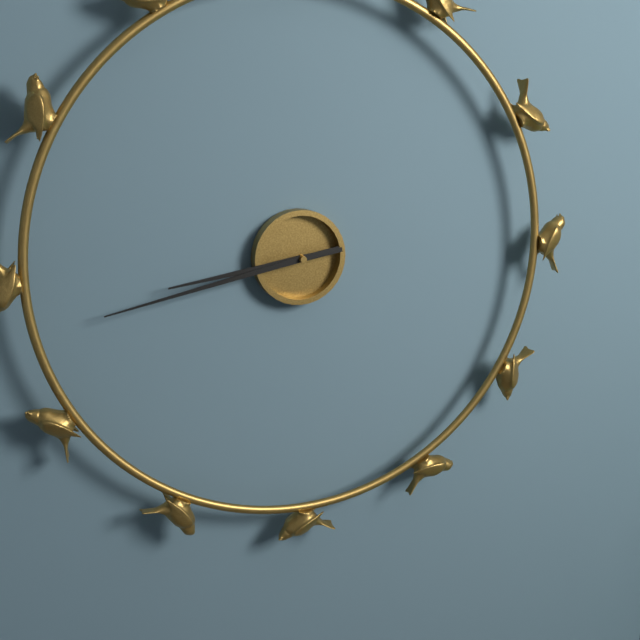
8h43
